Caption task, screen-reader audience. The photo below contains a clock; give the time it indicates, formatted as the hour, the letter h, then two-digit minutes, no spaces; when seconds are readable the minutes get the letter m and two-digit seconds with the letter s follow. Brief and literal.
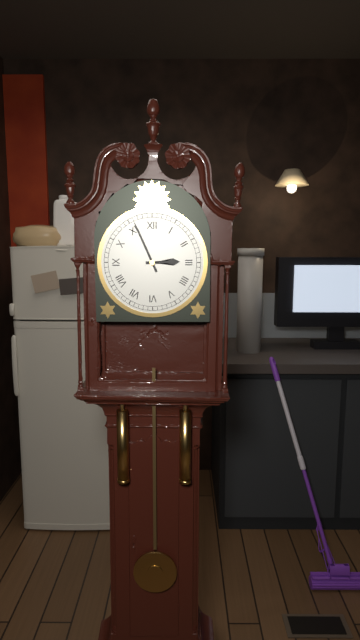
2h56
